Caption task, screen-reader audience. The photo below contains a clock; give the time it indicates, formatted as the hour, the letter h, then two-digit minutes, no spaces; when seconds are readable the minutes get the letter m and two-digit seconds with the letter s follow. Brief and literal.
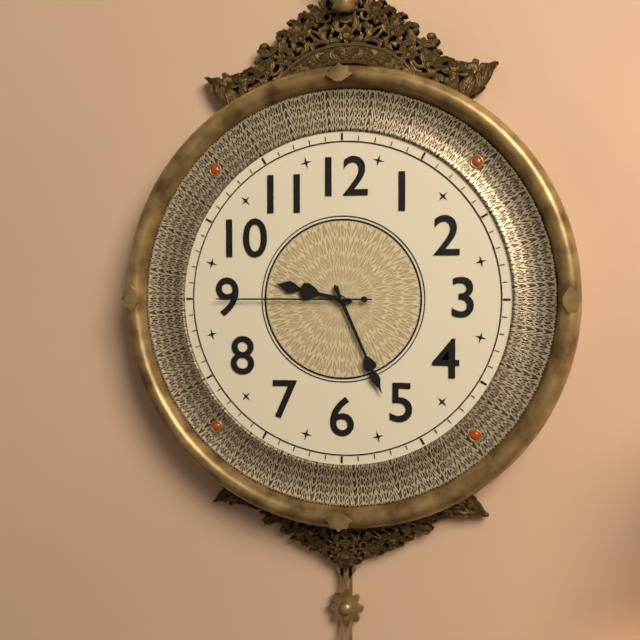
9h26m45s
